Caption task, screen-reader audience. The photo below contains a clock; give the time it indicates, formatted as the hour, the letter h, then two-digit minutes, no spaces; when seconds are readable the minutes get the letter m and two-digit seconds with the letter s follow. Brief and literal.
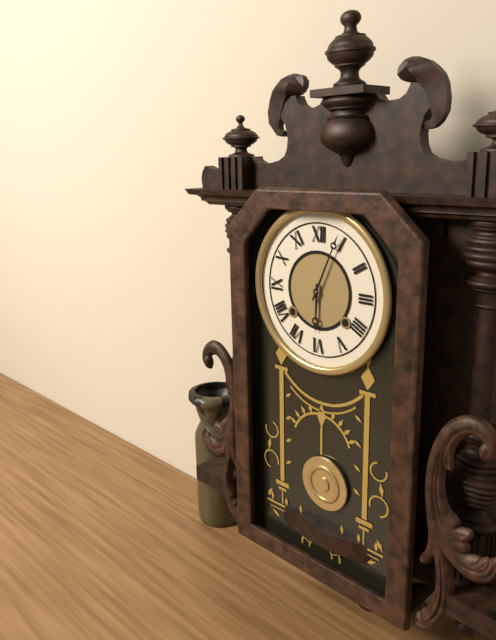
6h04
